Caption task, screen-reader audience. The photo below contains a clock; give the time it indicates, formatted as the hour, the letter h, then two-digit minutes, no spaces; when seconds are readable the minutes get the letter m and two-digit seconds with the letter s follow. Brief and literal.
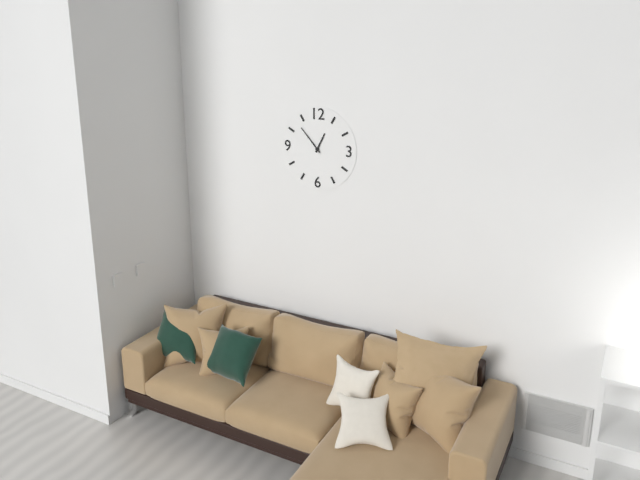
12h53
